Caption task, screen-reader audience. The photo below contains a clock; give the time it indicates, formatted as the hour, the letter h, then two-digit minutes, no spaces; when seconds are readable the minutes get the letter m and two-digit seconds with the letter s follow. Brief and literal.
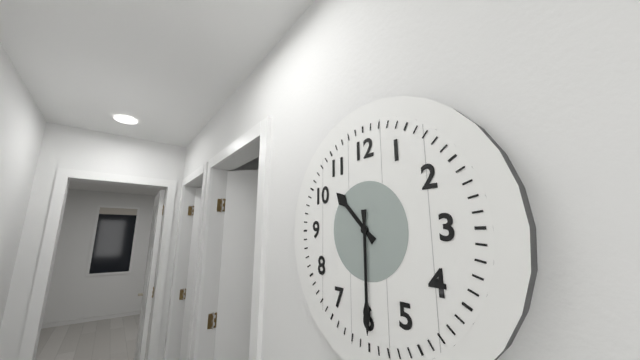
10h30
